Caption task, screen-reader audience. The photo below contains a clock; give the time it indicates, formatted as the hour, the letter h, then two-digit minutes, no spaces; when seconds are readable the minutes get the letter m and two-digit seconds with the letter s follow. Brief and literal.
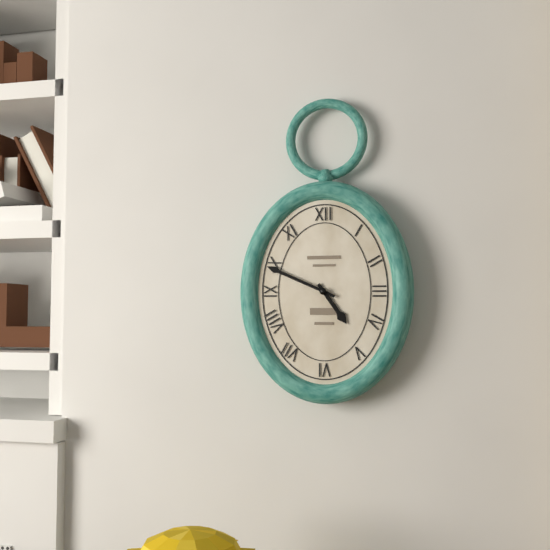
4h49
